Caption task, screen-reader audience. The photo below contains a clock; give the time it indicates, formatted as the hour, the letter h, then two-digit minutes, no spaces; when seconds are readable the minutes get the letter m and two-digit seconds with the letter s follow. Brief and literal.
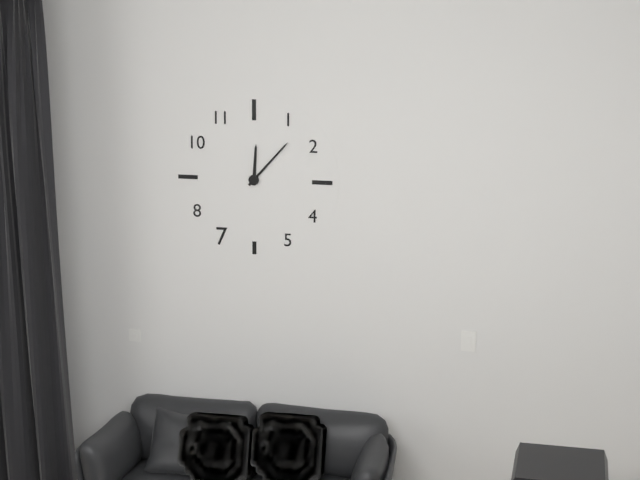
12h07
